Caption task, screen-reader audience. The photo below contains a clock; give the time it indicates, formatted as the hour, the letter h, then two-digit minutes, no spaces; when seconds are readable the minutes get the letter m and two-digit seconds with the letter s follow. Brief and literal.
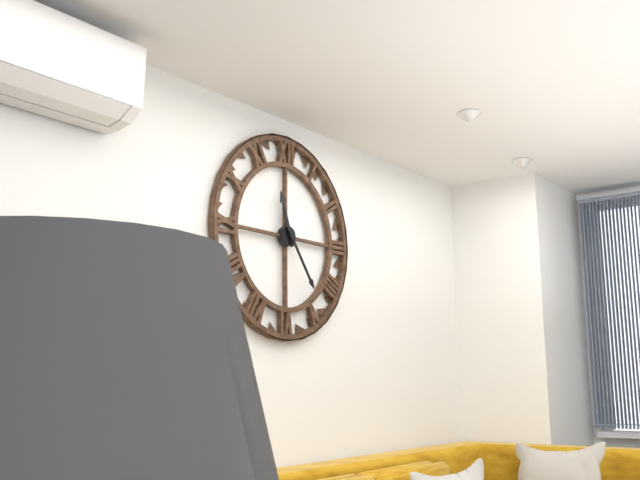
11h24
